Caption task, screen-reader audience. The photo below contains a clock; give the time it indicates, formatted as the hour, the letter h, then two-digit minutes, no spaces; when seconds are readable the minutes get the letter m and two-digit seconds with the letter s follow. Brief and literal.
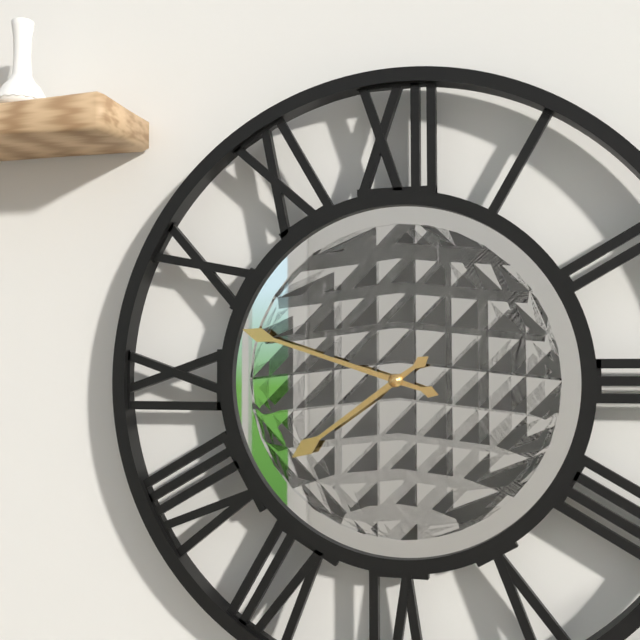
7h48
